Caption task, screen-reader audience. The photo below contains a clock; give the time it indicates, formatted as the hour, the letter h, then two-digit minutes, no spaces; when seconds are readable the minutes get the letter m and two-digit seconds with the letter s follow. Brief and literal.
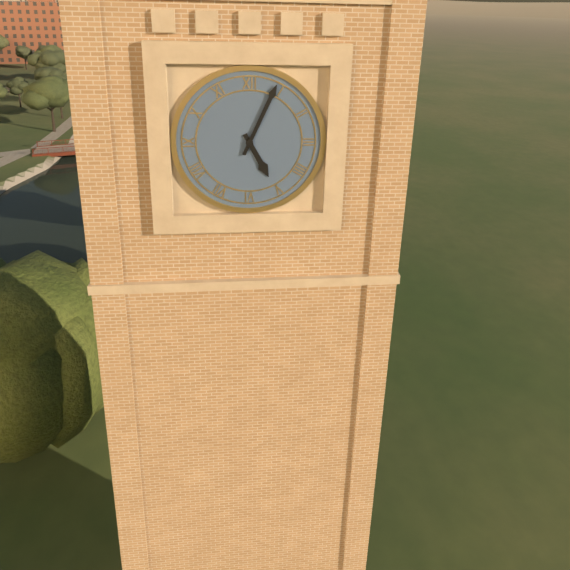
5h04
